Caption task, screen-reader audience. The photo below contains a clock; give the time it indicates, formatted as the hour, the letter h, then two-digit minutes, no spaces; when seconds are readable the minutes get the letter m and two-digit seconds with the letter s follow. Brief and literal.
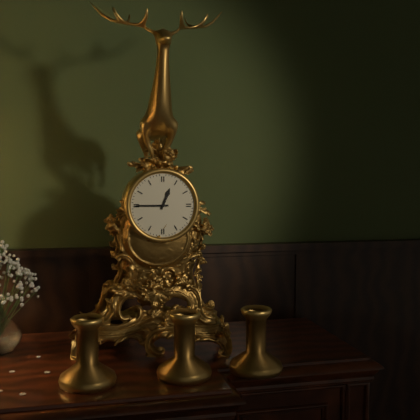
12h45
